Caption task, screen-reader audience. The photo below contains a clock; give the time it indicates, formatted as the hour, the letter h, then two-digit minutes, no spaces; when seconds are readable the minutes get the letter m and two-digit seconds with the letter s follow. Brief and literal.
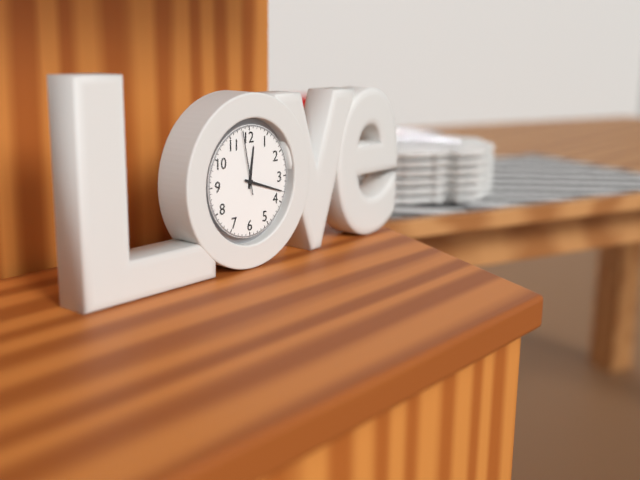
12h18m58s
